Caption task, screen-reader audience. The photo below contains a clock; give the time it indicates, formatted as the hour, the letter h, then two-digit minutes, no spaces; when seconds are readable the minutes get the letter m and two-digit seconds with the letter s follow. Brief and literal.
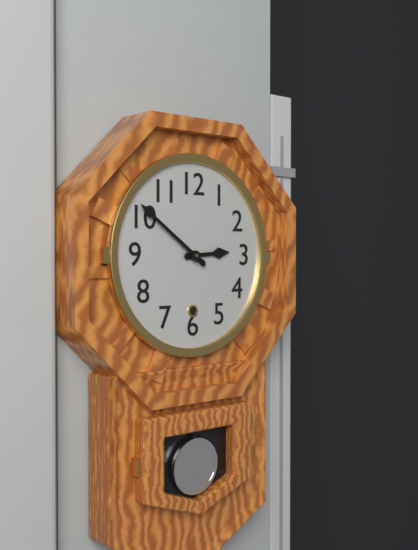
2h51
